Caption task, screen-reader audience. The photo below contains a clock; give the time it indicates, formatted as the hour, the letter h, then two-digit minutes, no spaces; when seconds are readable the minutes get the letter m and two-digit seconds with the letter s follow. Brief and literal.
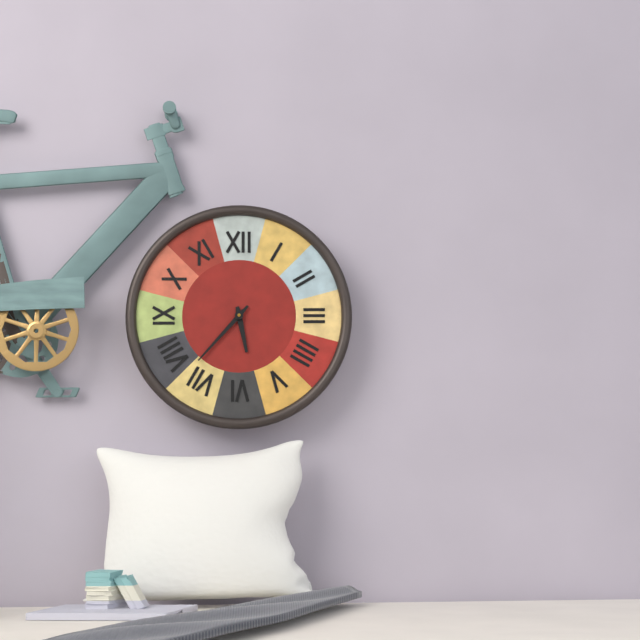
5h37
